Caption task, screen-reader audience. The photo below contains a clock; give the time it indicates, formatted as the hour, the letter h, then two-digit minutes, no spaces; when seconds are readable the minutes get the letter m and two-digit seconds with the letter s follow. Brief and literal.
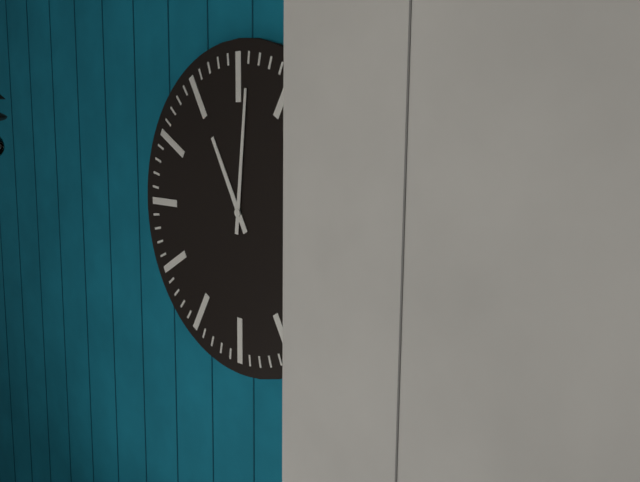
11h01
